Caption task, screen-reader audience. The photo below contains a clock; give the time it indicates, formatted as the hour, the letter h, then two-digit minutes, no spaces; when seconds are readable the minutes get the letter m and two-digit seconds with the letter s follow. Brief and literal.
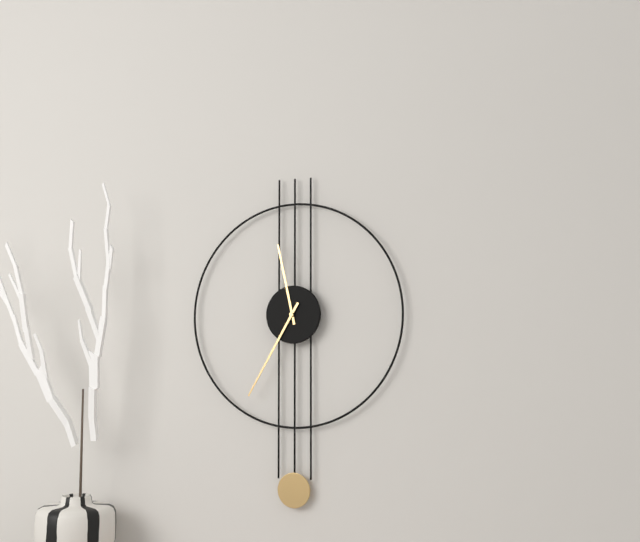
11h35
